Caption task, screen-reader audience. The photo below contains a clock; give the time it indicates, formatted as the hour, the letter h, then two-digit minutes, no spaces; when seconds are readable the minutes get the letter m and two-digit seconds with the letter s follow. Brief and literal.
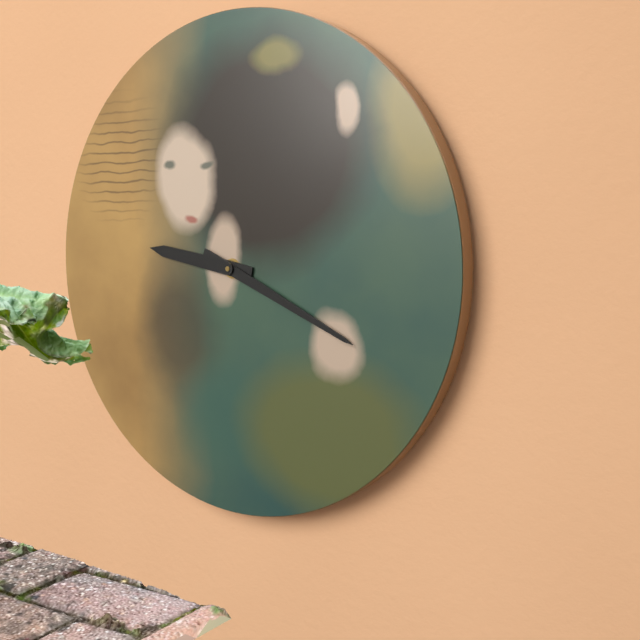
9h19
